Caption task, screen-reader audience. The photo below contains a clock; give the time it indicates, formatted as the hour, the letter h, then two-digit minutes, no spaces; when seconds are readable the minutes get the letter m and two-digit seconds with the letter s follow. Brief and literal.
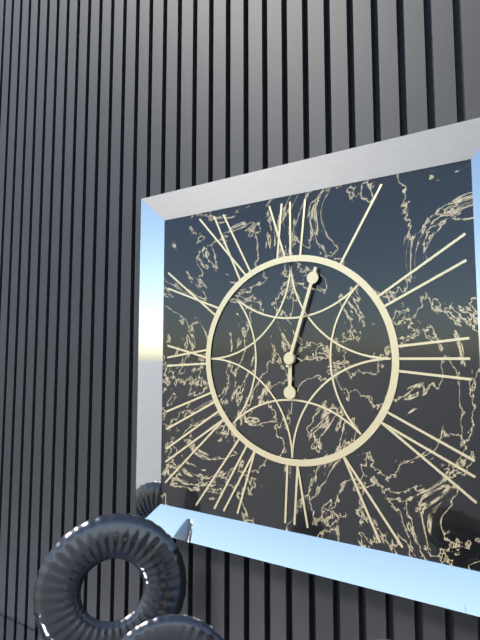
6h03
